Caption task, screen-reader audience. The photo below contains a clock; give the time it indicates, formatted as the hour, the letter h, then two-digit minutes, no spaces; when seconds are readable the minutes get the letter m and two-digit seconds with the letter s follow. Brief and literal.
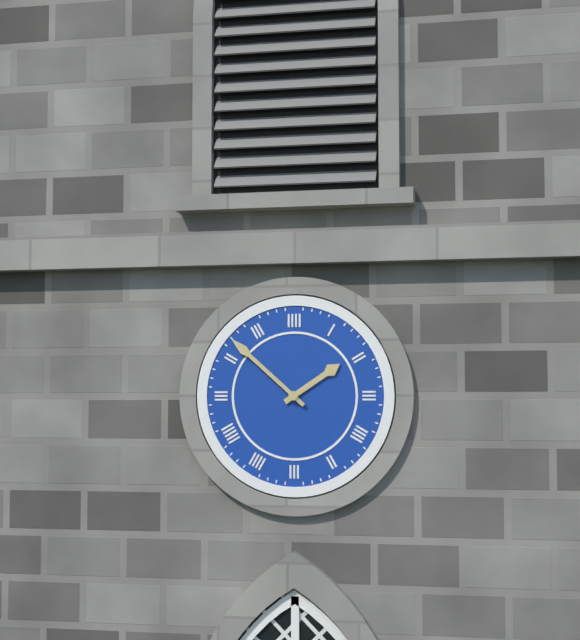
1h52
